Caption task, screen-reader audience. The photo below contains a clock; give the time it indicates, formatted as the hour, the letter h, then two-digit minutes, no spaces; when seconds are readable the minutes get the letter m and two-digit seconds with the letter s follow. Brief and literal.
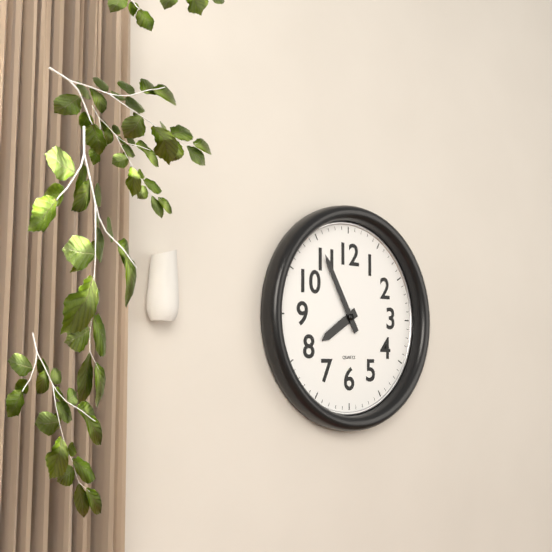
7h55
